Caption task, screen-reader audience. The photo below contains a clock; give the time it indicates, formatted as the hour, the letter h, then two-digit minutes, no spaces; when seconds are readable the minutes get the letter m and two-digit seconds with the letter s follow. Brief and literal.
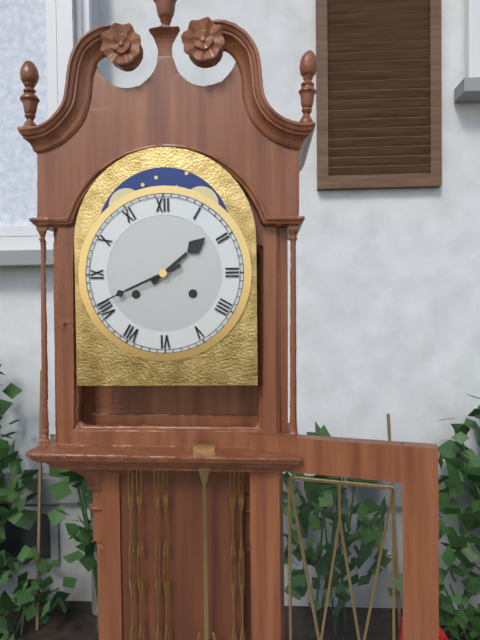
1h41
